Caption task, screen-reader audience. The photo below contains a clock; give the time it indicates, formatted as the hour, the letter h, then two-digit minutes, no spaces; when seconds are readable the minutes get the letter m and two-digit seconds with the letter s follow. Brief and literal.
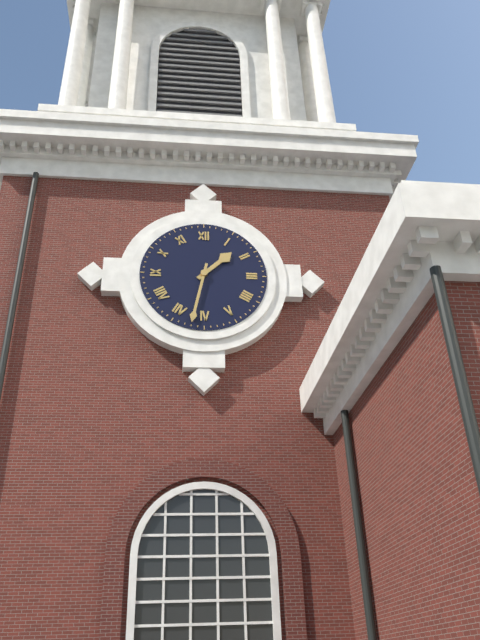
1h32
